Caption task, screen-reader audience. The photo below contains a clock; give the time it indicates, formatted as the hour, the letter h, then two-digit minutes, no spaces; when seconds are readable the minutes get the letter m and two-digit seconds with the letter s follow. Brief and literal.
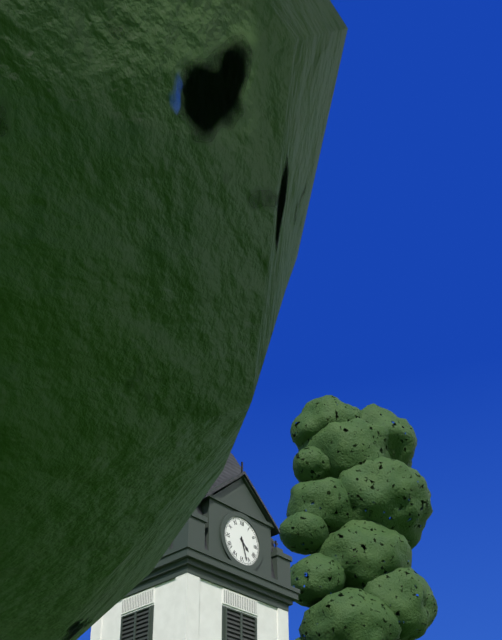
4h27
